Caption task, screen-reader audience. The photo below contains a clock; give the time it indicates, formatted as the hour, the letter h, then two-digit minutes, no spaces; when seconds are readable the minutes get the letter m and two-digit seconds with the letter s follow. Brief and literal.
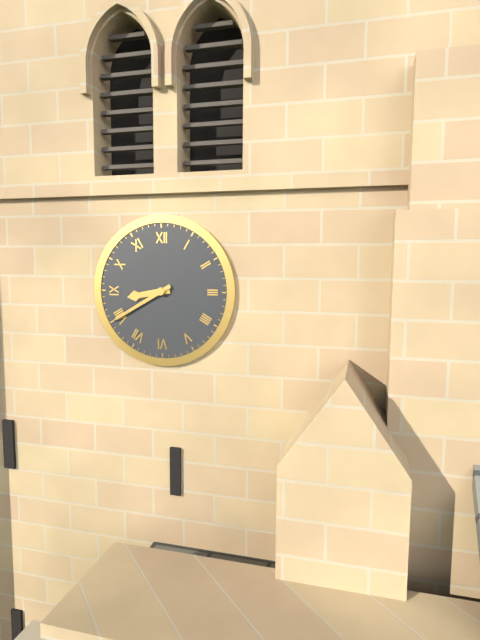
8h40
